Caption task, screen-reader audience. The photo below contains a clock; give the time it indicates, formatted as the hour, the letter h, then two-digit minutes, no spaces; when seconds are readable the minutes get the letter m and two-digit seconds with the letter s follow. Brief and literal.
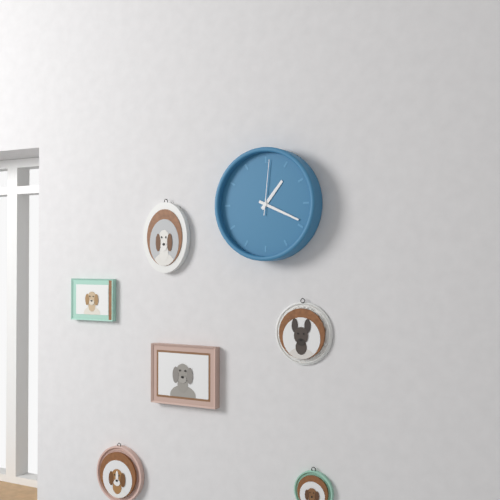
1h19m01s
